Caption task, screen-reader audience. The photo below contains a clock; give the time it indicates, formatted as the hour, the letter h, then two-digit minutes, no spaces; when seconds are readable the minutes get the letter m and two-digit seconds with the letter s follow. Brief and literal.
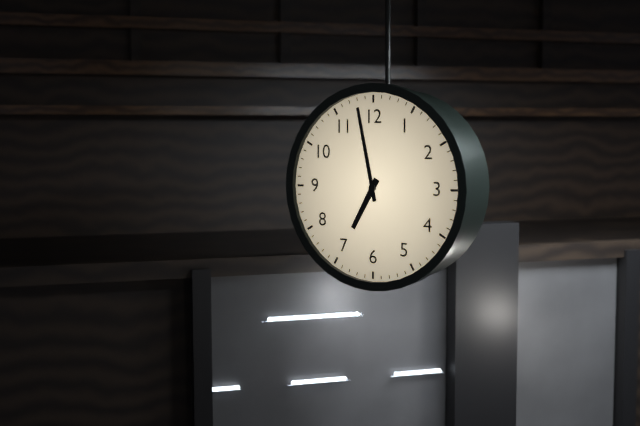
6h58
